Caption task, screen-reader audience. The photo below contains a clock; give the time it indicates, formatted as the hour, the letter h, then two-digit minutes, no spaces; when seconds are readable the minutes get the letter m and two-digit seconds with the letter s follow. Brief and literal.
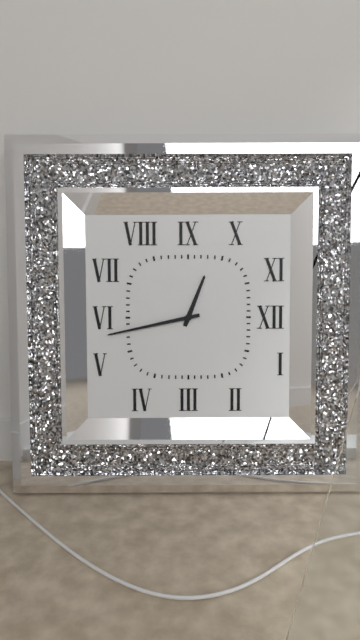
12h43
